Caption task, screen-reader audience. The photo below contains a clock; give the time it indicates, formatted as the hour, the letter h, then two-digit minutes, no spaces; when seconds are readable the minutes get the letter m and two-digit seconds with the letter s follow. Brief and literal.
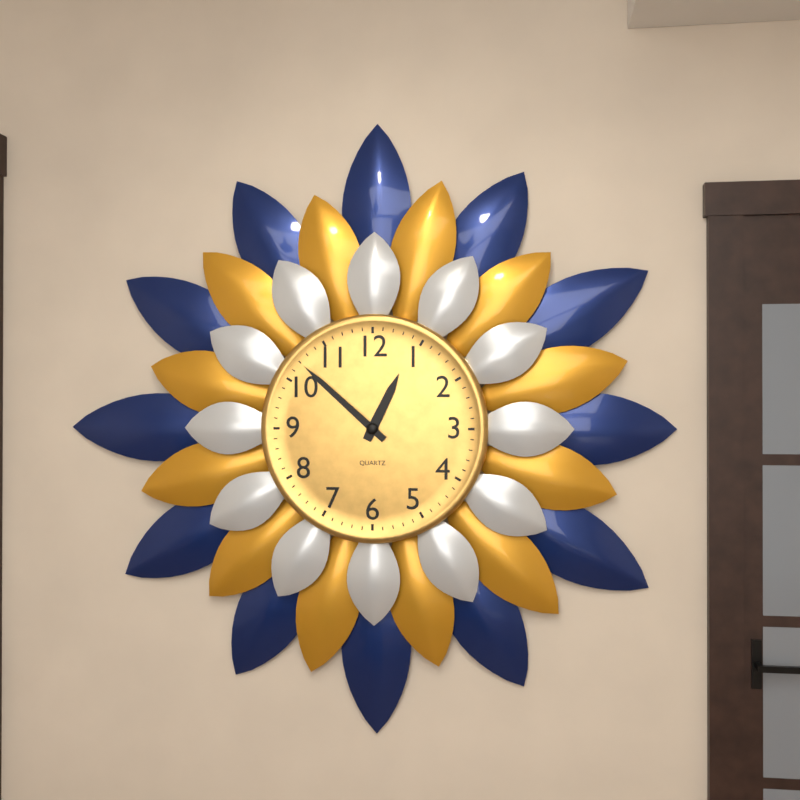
12h52
